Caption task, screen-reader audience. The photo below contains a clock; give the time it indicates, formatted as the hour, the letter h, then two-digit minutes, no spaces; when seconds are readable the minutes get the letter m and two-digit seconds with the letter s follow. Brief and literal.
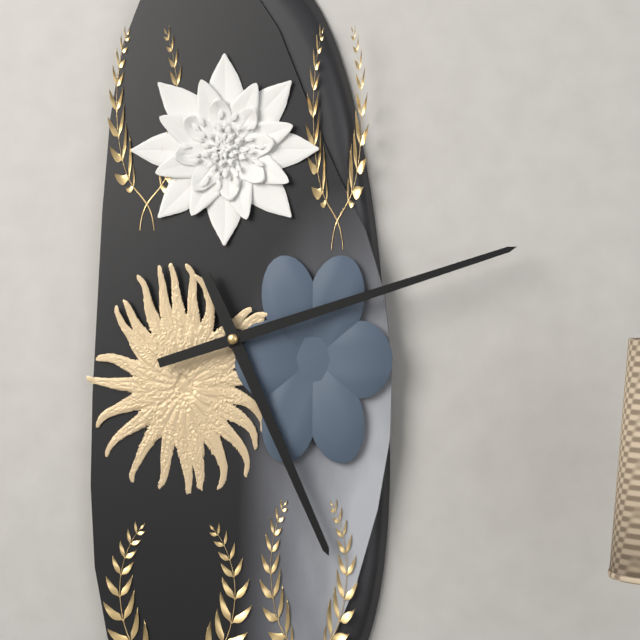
5h12
